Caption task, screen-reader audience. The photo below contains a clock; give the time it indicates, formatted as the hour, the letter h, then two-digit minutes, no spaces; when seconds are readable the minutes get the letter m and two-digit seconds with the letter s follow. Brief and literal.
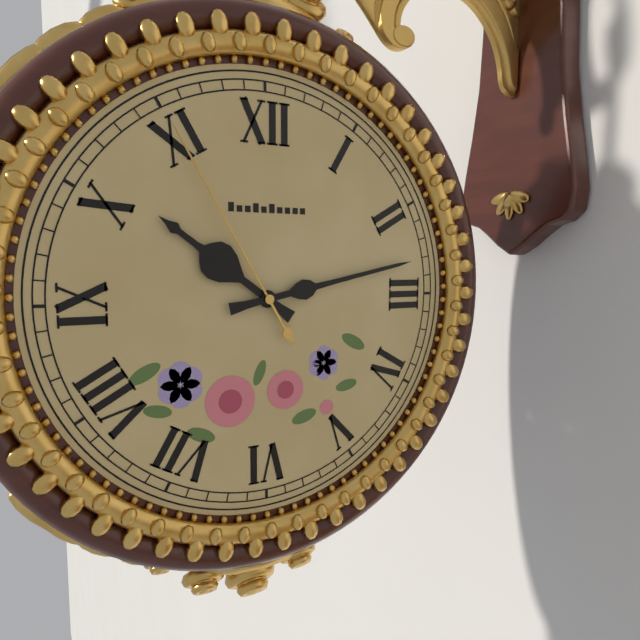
10h13m55s
